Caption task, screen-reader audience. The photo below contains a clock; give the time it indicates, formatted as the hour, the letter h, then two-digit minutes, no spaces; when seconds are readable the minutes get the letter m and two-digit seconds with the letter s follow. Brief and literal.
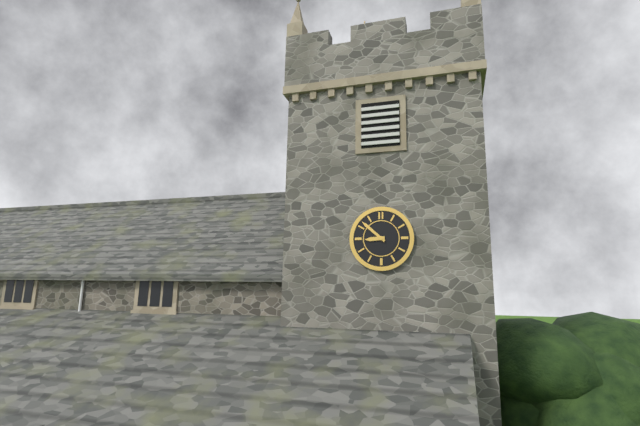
8h52
